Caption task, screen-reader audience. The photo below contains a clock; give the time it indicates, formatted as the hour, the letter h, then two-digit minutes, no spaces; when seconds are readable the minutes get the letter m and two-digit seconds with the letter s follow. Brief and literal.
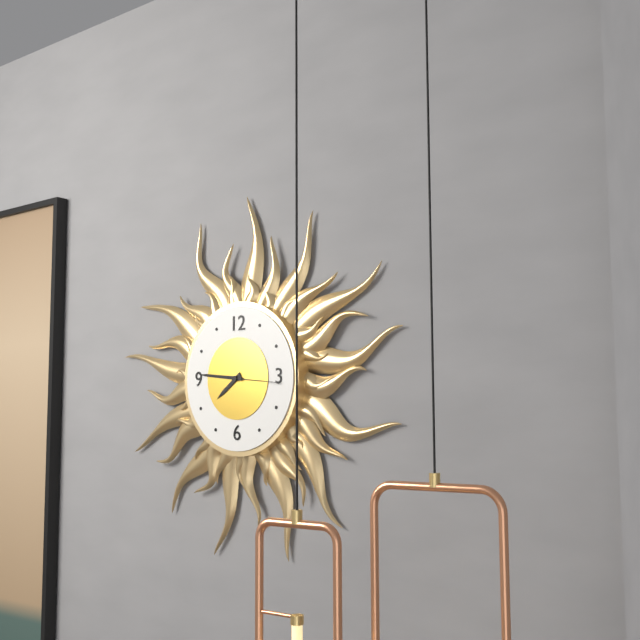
7h46m16s
